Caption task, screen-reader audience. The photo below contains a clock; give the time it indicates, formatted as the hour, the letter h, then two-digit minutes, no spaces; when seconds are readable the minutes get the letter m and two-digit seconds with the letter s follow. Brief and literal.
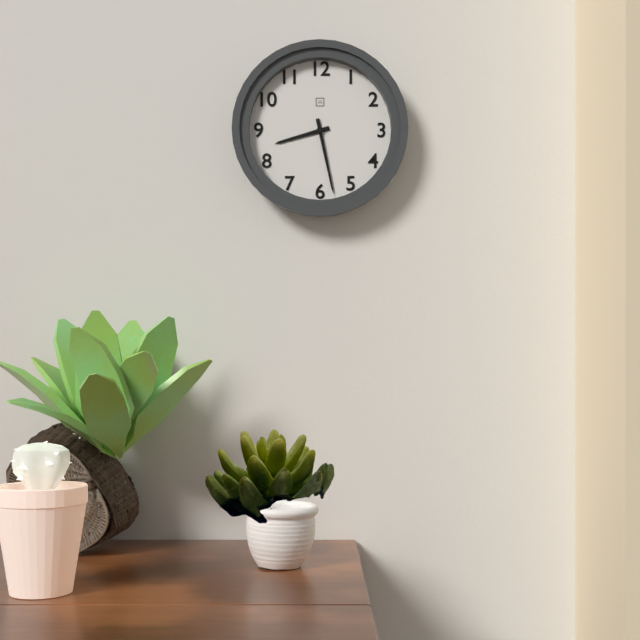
8h28
